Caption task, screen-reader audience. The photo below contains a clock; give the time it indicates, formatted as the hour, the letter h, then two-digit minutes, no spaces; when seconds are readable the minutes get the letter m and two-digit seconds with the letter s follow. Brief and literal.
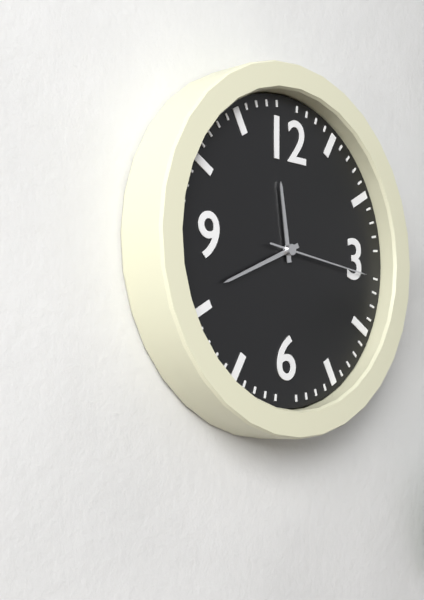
11h41m16s
